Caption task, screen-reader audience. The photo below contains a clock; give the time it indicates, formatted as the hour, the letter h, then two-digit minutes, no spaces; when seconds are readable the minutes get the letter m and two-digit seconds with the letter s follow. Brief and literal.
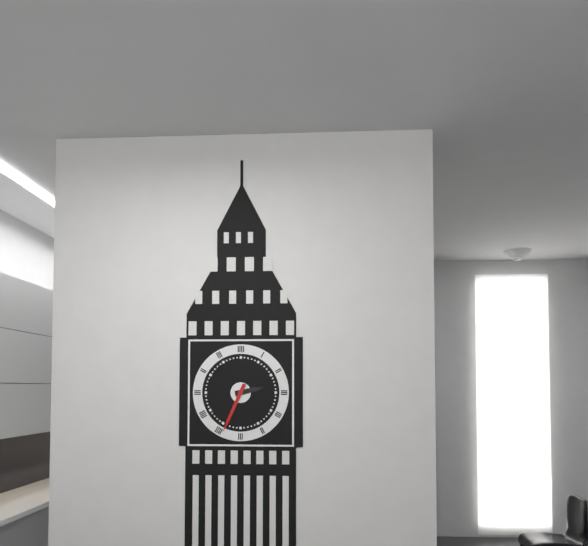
2h34
